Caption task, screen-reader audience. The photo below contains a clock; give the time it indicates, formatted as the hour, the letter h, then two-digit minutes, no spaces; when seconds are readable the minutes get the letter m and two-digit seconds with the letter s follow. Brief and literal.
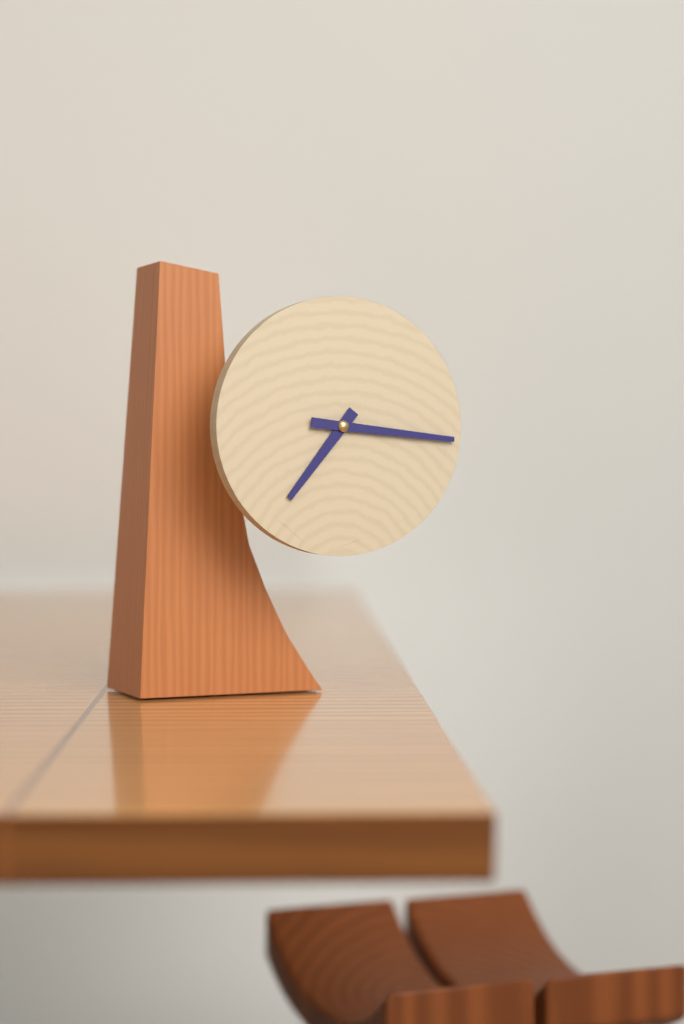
7h16
